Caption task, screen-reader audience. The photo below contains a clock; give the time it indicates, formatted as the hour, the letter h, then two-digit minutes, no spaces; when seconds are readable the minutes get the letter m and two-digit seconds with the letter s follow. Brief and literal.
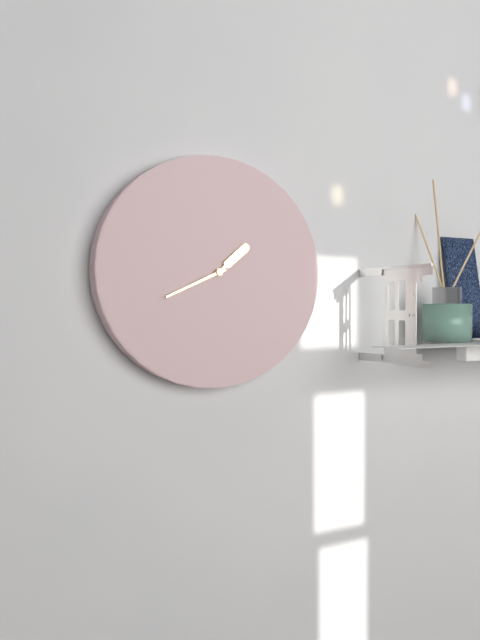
1h41
